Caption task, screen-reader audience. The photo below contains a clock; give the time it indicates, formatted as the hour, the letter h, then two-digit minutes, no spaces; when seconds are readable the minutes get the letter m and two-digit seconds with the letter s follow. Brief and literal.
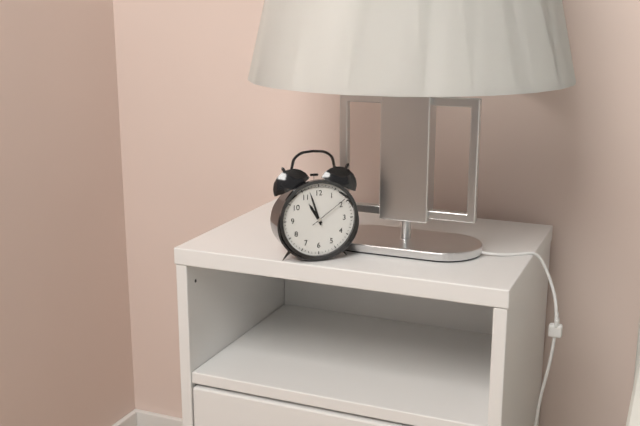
10h57
